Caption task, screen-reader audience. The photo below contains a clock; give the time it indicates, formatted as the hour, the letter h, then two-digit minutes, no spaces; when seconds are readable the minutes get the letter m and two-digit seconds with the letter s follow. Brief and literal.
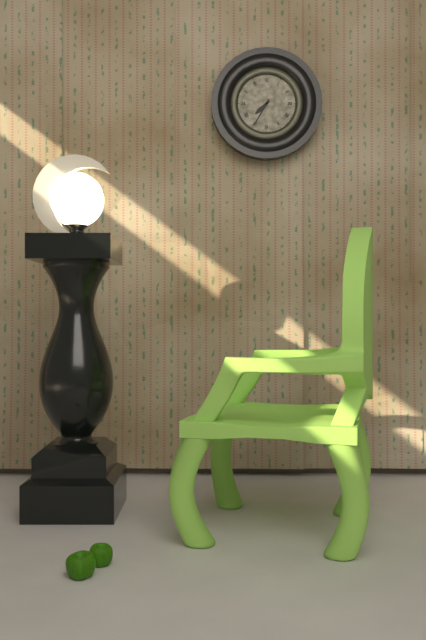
7h35
